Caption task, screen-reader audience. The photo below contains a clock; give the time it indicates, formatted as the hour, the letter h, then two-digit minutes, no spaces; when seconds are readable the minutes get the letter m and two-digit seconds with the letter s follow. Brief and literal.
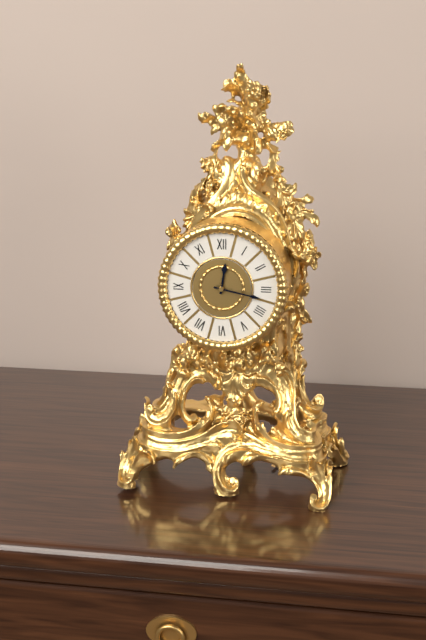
12h17
